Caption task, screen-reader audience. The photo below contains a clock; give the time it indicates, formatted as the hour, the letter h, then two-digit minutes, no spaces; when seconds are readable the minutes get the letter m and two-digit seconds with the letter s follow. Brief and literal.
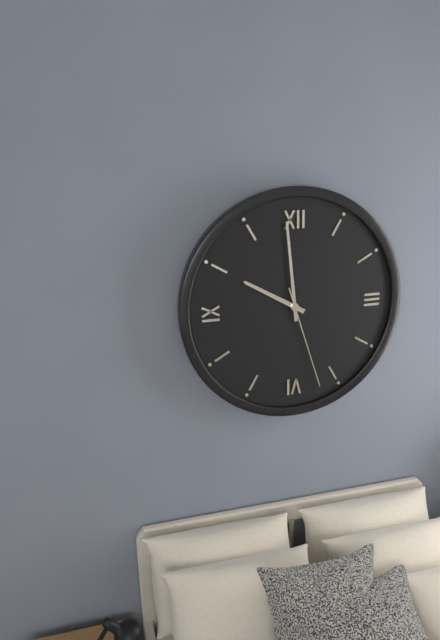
9h59m27s
